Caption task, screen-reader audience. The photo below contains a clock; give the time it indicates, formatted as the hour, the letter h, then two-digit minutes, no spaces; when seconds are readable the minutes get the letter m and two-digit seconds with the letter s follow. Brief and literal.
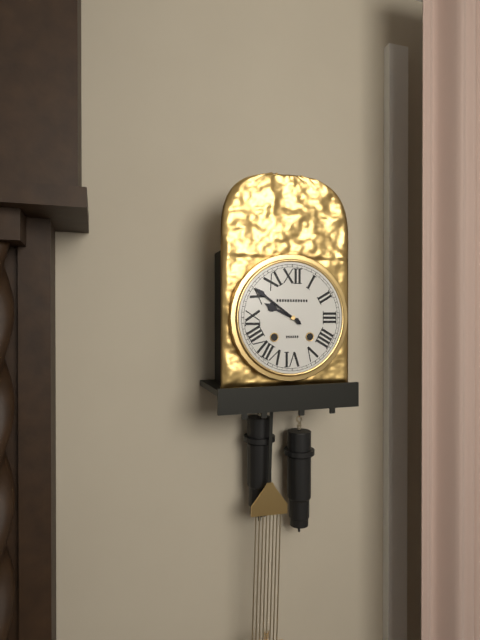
9h51
